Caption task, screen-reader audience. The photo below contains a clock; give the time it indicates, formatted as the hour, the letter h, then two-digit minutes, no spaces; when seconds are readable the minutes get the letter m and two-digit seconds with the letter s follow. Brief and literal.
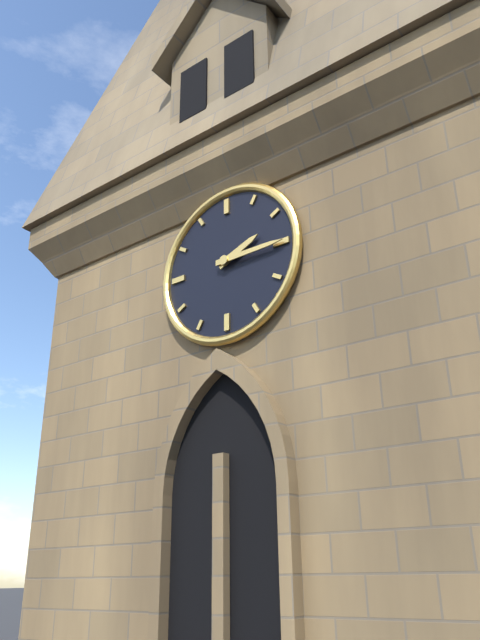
2h15
